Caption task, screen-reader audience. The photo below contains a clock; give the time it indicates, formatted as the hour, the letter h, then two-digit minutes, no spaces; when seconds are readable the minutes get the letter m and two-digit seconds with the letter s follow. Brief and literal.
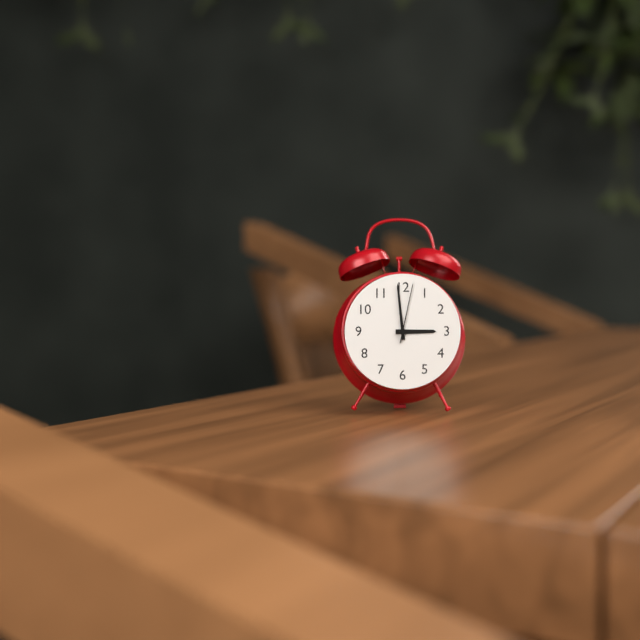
2h59m02s
